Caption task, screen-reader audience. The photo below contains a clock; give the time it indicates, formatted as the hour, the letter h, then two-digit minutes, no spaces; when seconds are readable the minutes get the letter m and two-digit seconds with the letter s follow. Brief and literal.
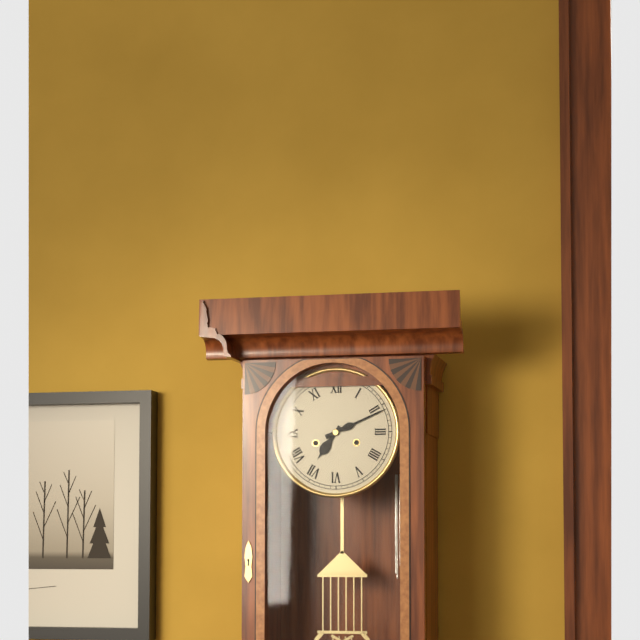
7h11
